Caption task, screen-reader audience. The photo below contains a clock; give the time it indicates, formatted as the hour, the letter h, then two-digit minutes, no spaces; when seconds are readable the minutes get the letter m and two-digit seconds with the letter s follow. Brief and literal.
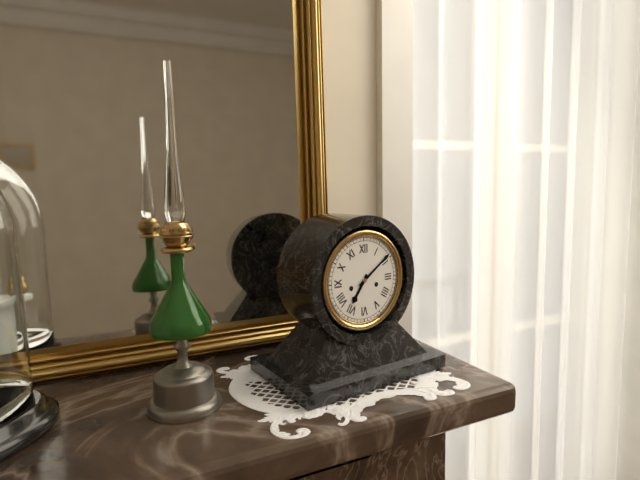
7h09
